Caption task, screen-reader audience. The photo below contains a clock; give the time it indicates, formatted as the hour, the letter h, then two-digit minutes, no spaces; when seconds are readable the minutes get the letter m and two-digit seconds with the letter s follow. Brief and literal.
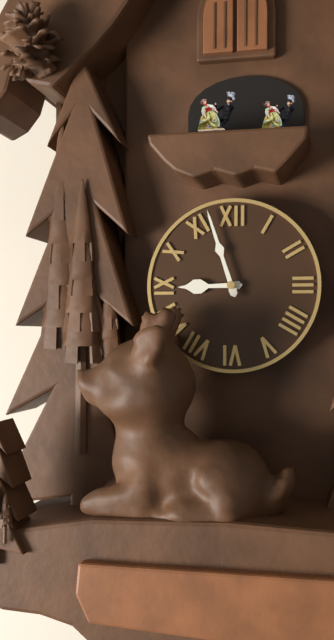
8h57
